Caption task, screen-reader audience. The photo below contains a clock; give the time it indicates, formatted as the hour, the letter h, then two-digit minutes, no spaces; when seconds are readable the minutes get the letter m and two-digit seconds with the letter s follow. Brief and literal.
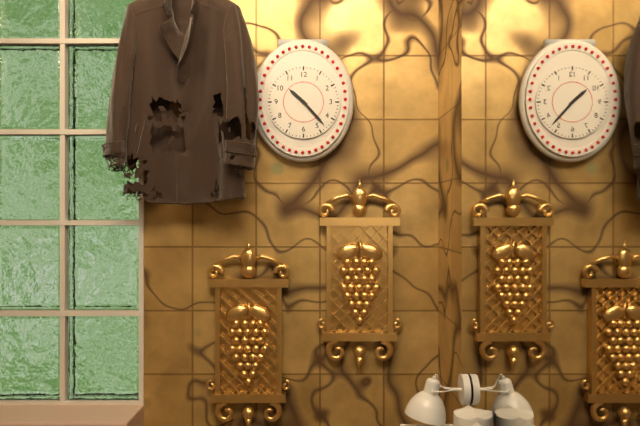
10h23
